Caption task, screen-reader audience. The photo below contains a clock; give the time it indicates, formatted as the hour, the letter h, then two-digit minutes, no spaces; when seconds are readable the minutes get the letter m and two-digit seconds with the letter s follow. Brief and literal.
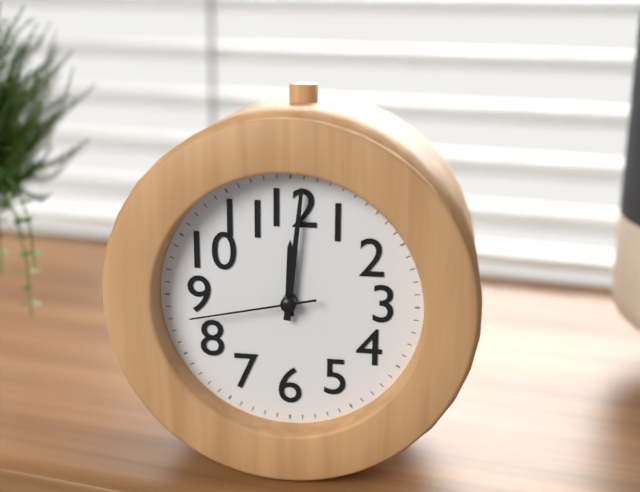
12h01m43s
